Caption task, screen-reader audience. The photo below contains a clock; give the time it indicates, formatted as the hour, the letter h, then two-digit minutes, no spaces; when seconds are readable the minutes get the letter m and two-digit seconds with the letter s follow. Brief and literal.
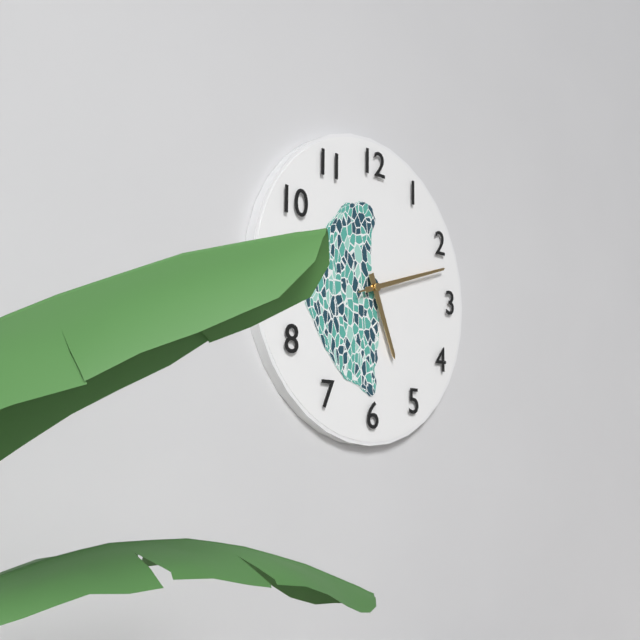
5h12m12s
